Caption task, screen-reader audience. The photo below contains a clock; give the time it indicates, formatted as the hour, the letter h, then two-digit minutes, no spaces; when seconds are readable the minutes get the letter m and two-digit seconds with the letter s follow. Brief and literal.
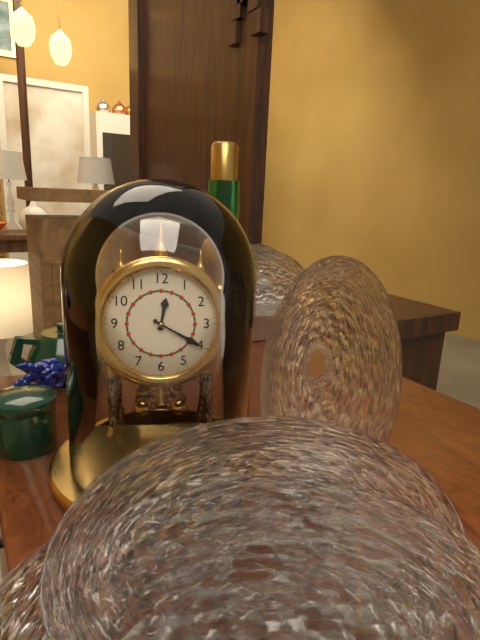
12h20
